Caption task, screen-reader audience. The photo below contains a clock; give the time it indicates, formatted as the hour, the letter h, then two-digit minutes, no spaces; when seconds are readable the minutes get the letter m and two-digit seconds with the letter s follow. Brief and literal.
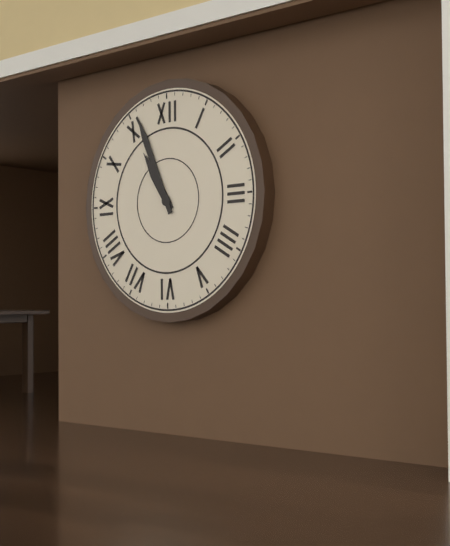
10h56
